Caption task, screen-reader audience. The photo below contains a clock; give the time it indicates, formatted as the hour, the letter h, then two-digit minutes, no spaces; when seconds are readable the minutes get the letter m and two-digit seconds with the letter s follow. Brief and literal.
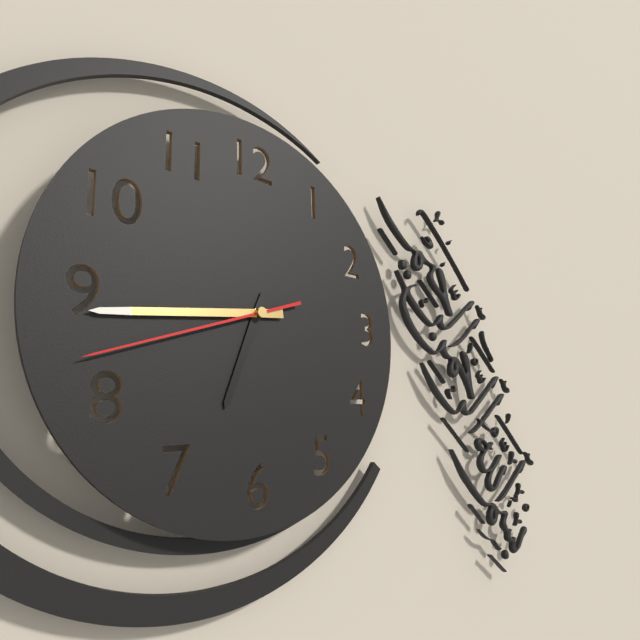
6h44m42s
